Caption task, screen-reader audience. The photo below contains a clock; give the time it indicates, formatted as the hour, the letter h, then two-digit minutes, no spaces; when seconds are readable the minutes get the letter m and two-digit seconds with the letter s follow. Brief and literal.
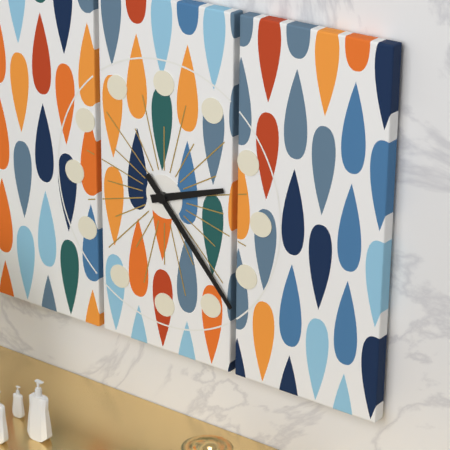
2h23
